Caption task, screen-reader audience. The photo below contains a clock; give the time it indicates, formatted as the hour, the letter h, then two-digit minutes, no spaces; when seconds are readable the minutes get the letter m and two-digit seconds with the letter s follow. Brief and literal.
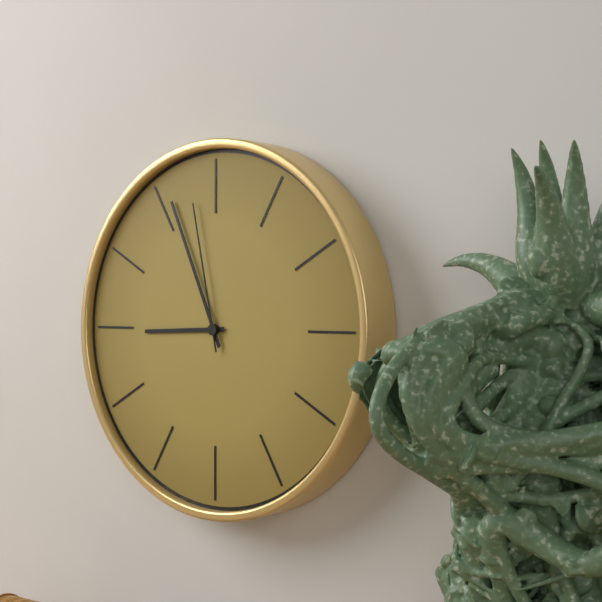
8h56m58s
